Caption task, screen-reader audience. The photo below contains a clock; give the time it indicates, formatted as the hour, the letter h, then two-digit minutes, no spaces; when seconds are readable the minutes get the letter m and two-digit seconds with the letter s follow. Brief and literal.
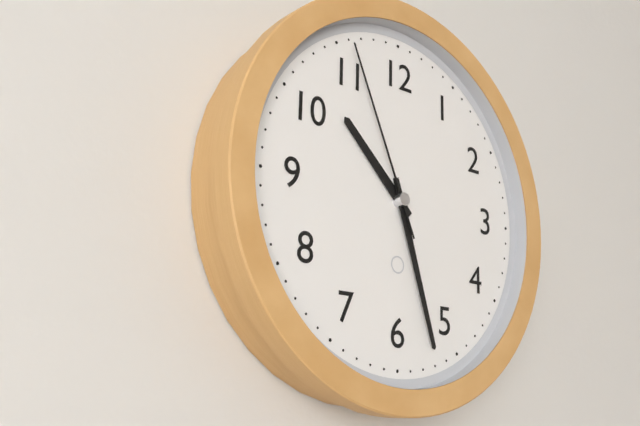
10h27m56s
